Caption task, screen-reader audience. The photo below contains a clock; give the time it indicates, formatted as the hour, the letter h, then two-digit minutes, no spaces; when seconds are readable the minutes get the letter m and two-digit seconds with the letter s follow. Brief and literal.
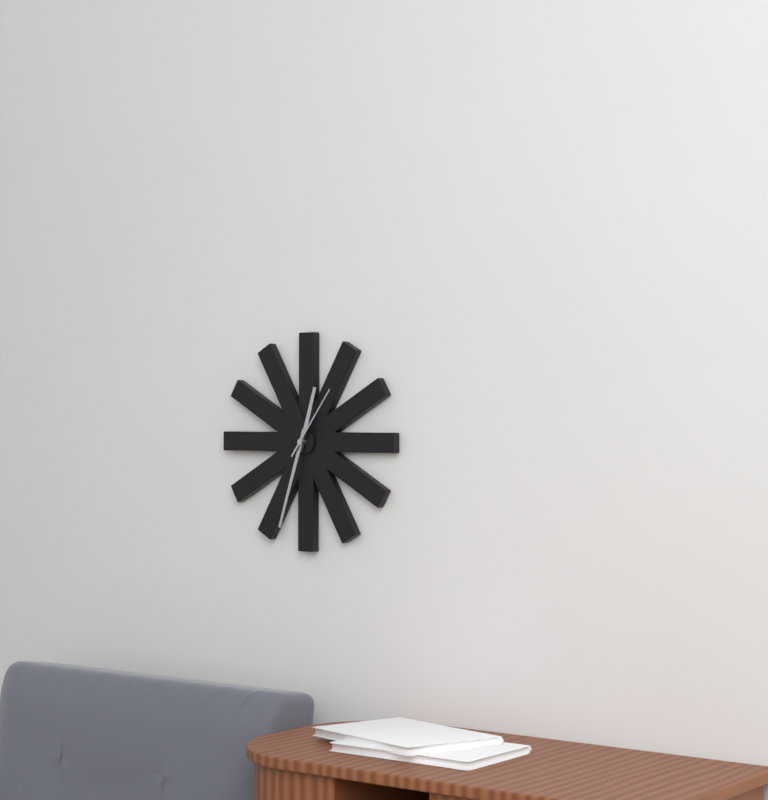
12h33m06s
